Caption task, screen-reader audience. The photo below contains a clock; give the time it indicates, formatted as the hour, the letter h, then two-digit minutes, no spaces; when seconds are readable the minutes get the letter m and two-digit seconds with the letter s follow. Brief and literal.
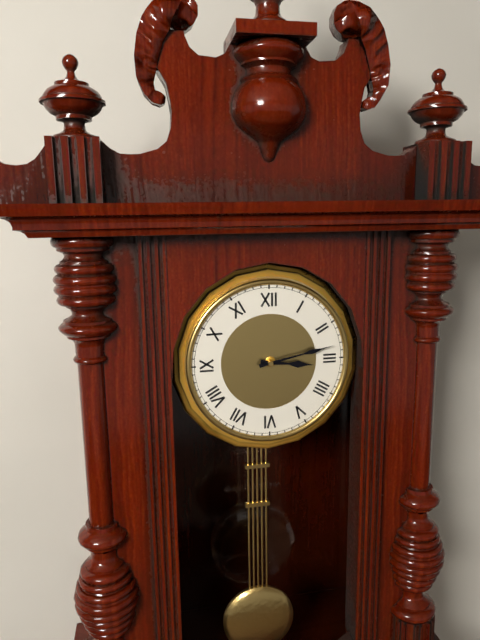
3h13
